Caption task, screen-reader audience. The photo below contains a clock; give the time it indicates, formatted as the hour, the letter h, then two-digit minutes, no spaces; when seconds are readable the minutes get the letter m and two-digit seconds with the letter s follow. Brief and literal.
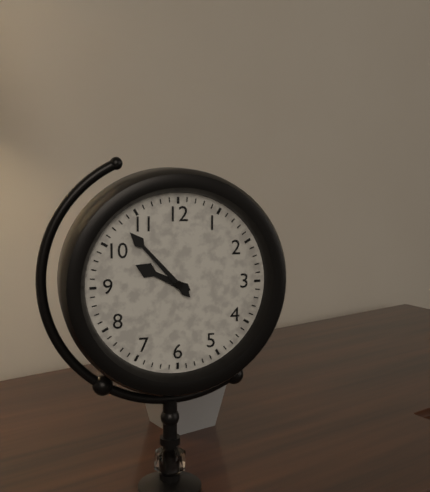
9h53
